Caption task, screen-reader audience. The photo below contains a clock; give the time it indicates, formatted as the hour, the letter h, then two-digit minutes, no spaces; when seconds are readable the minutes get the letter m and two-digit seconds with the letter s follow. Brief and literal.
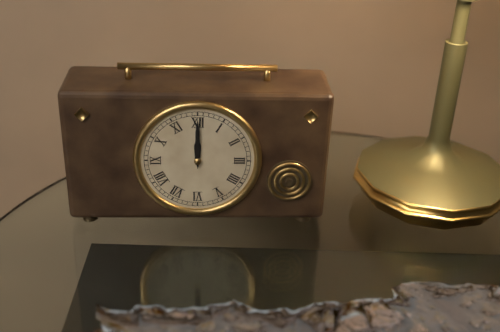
12h00
